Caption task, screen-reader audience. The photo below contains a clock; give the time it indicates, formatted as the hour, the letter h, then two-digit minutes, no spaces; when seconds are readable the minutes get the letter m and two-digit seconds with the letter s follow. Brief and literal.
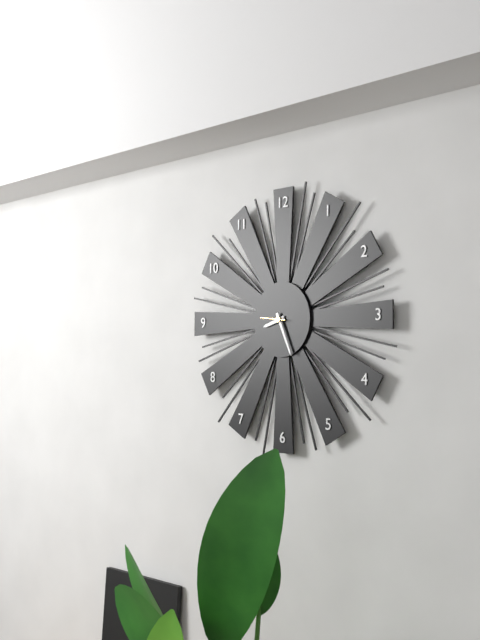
8h26
